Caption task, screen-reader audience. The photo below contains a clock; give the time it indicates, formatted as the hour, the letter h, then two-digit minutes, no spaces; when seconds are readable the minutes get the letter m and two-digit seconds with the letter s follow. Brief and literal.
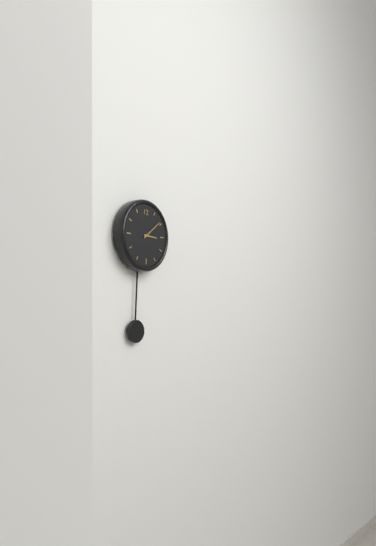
3h09
